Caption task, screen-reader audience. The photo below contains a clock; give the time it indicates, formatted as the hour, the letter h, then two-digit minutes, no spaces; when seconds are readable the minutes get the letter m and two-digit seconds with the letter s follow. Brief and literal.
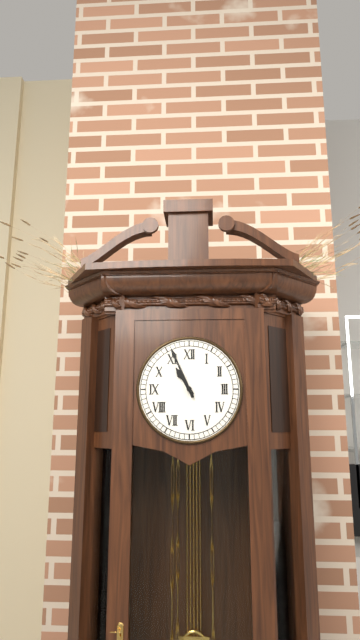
10h56
